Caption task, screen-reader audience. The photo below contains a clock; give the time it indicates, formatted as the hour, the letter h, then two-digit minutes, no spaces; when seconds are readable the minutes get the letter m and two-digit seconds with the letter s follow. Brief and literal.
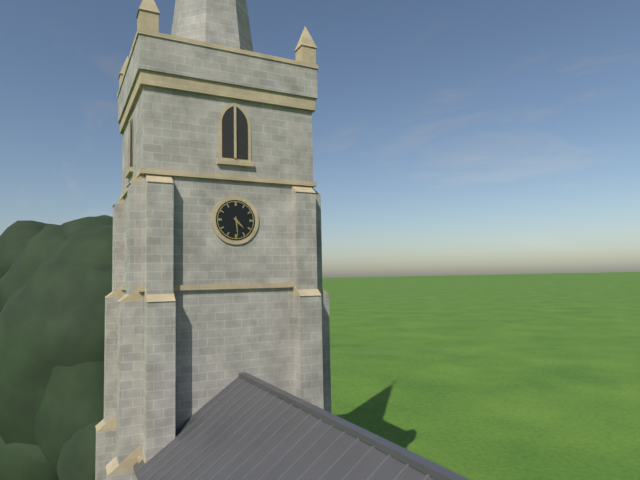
4h29
